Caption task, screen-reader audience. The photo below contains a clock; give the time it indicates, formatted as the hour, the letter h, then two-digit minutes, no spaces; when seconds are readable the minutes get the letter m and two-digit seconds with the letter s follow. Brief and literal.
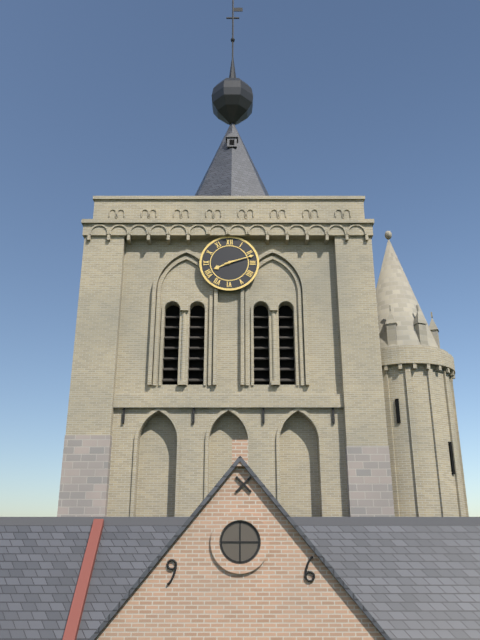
8h12
